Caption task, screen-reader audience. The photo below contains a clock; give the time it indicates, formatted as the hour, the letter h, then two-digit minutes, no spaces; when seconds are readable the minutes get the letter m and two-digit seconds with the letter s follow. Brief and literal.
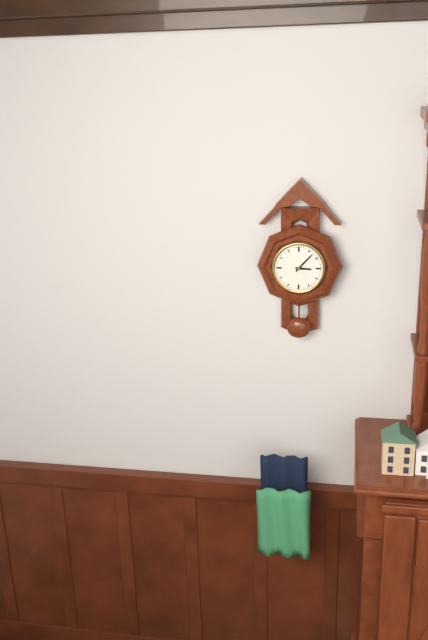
3h07
